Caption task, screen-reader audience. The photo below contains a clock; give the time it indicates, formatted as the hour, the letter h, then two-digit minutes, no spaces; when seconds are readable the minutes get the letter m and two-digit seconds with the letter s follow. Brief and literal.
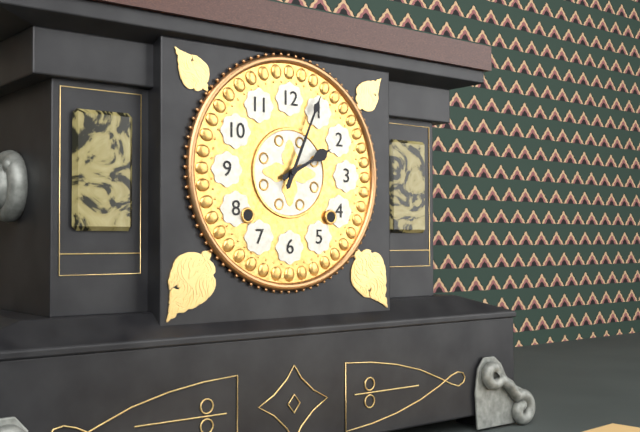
2h04
